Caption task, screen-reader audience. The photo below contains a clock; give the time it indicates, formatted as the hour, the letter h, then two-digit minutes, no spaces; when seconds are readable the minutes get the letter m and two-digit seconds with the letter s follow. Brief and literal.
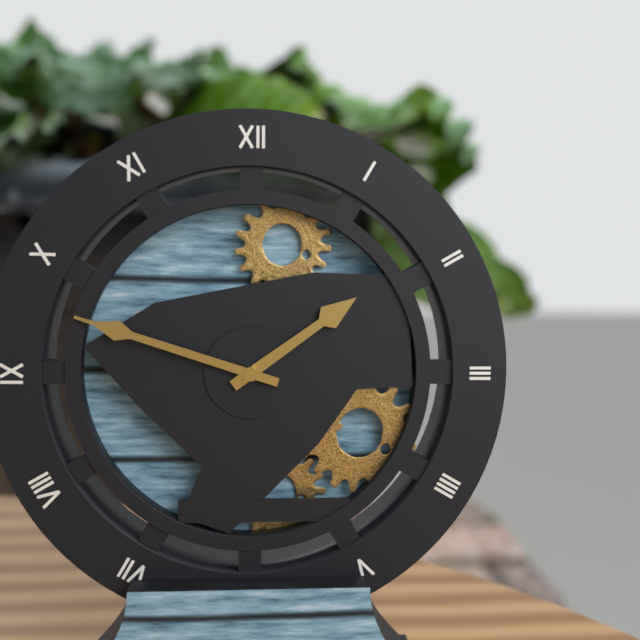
1h48
